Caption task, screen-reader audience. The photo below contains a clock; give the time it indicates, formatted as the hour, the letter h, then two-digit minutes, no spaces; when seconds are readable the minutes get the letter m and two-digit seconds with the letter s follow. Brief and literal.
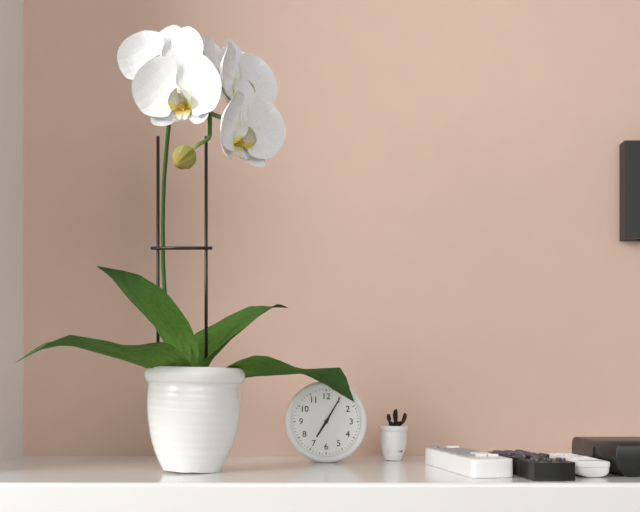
7h05
